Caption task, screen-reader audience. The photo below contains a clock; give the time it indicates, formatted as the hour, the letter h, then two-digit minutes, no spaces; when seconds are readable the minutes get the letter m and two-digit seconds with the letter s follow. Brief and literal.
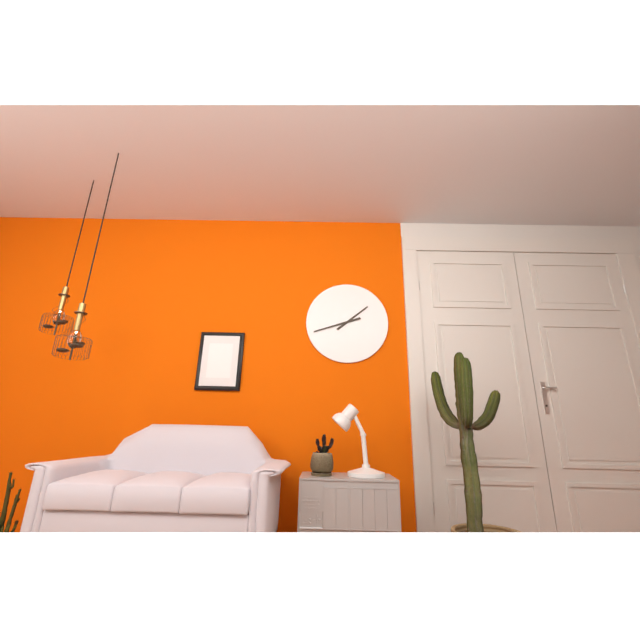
1h42
